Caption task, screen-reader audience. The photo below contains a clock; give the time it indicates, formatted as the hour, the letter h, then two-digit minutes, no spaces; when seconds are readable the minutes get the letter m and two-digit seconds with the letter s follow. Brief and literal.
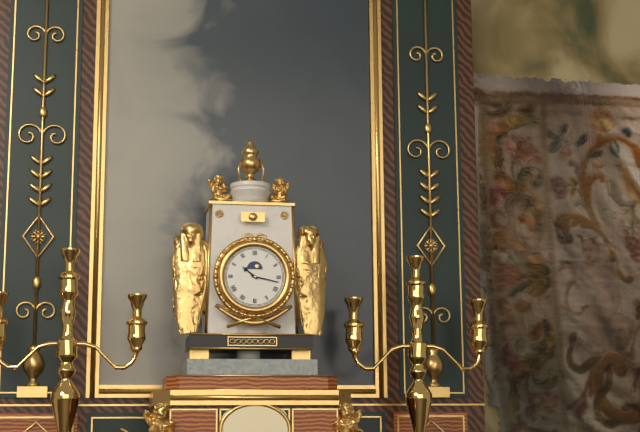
10h17
